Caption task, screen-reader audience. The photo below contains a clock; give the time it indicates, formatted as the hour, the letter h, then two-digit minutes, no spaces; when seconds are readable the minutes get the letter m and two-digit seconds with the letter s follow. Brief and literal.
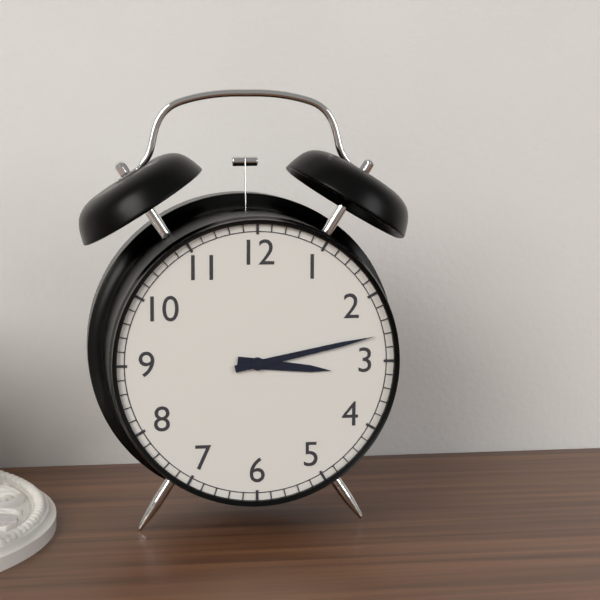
3h13
